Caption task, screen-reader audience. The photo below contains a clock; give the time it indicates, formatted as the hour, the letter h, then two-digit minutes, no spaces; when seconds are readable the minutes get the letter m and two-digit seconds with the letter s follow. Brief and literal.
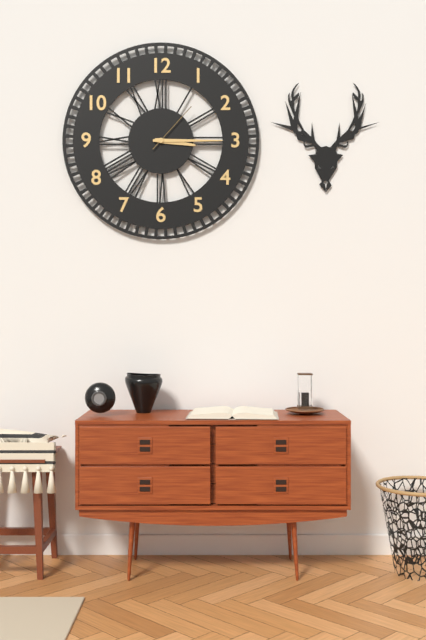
3h15m07s
